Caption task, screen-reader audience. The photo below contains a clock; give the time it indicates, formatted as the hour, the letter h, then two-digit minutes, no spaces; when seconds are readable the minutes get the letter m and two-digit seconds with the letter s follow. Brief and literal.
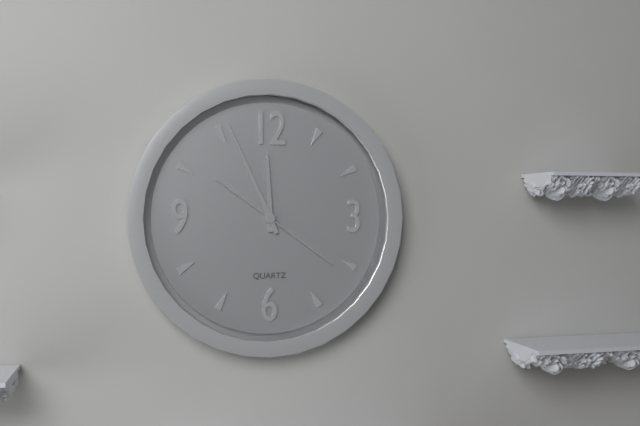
11h56m21s
